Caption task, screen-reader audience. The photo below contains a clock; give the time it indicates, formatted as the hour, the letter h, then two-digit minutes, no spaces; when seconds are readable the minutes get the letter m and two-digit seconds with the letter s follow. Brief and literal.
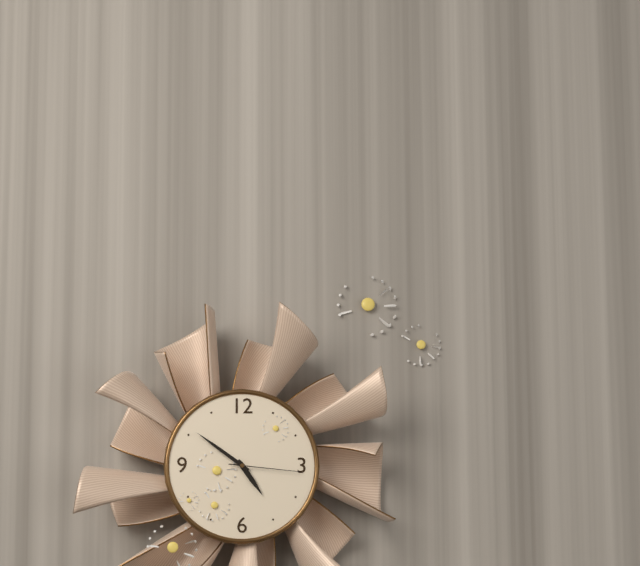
4h51m16s
